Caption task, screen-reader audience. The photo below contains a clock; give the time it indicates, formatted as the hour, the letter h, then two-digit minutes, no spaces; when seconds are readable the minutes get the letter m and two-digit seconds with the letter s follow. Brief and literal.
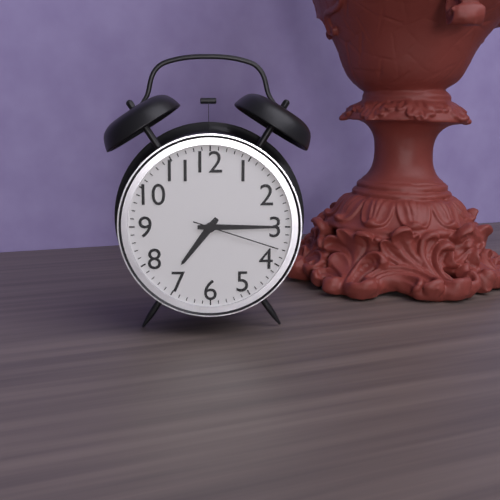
7h15m18s
